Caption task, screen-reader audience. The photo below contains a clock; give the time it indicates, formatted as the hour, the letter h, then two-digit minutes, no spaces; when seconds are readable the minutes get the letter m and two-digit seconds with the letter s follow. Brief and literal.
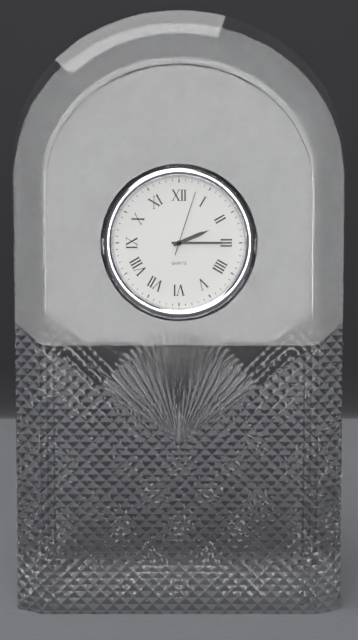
2h15m03s
